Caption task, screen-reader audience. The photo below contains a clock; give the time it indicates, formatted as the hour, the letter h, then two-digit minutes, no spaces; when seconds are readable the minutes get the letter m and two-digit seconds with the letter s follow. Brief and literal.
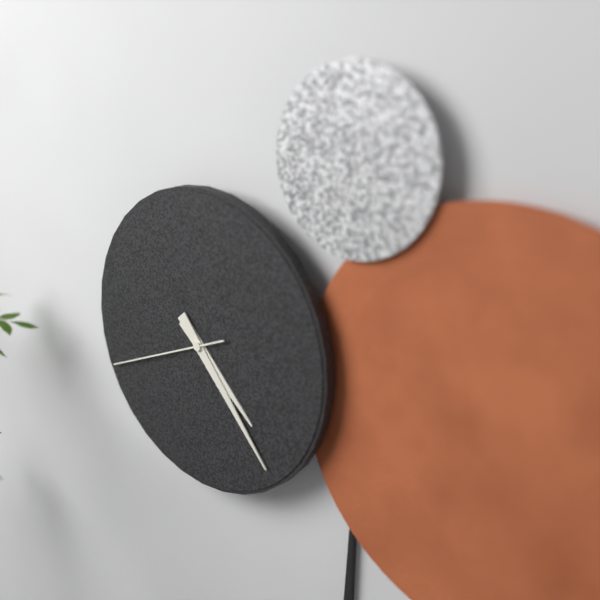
4h23m41s
